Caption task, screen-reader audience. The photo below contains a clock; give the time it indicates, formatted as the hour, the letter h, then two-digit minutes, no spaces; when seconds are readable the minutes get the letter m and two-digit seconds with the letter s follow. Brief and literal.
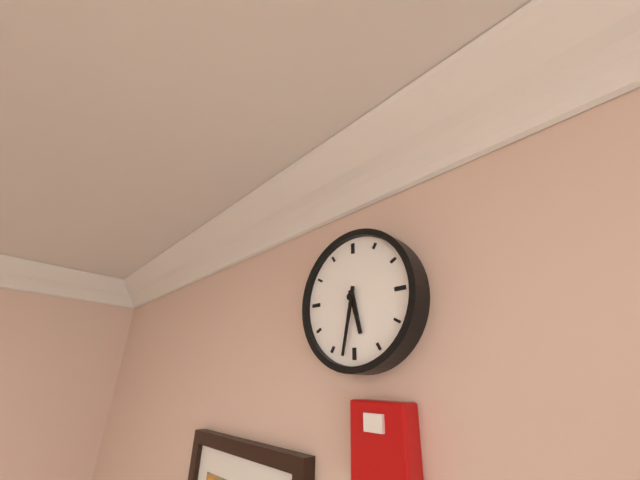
5h32
